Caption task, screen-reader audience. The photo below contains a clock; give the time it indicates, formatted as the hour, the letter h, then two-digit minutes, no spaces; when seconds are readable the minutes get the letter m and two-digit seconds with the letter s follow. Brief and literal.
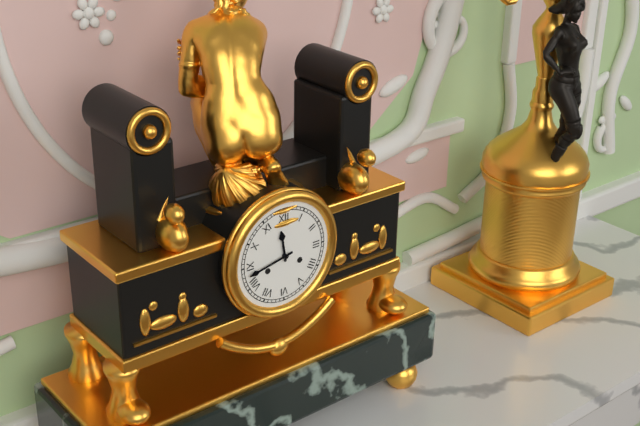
11h43
